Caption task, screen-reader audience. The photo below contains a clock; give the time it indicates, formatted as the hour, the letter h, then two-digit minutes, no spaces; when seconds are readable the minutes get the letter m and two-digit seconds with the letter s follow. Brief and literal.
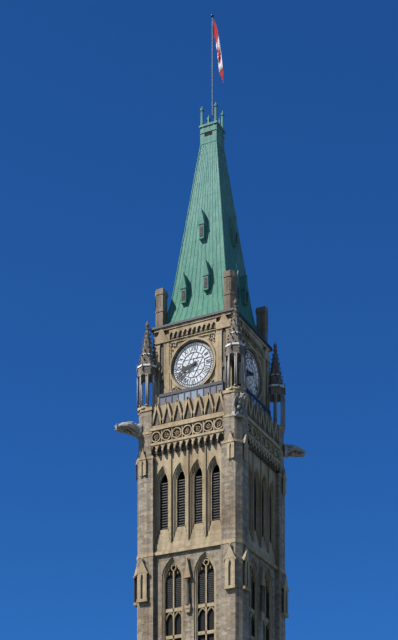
8h40
